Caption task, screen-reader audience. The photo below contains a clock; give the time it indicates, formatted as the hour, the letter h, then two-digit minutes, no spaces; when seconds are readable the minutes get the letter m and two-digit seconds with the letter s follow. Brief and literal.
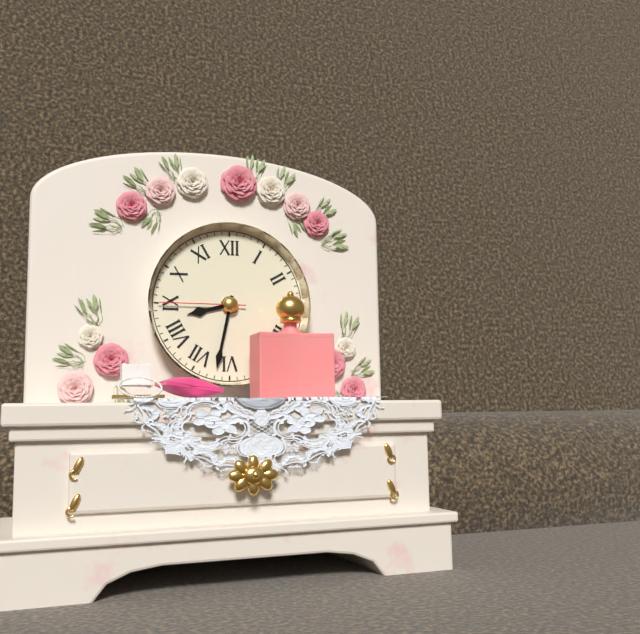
8h32m45s
